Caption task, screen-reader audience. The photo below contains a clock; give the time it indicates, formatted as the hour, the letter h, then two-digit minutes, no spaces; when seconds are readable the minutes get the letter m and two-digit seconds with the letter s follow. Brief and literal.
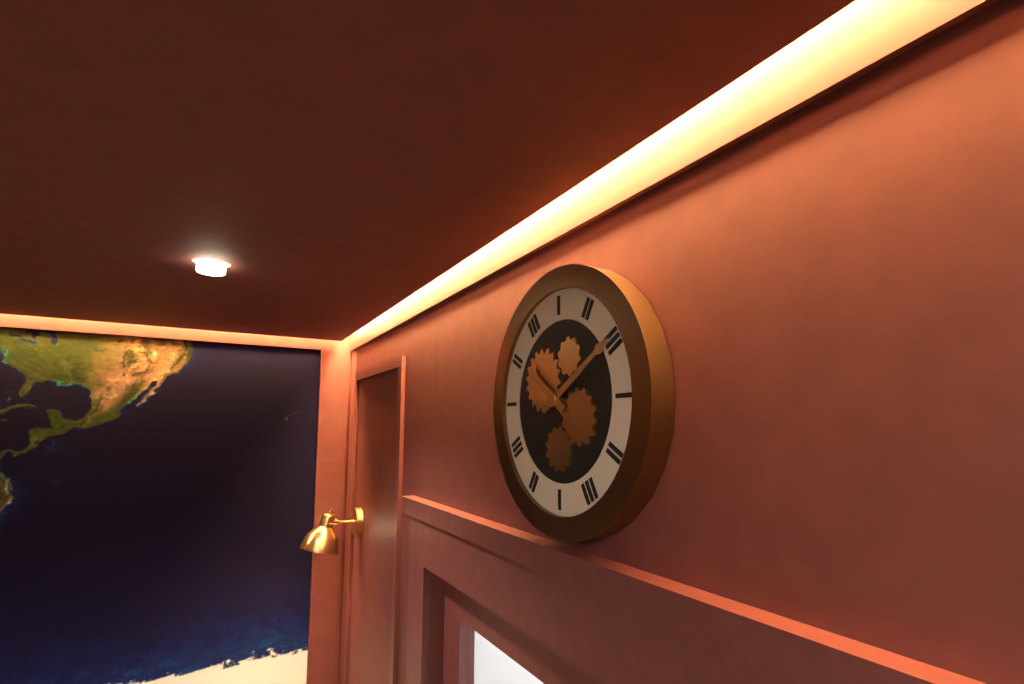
10h10
